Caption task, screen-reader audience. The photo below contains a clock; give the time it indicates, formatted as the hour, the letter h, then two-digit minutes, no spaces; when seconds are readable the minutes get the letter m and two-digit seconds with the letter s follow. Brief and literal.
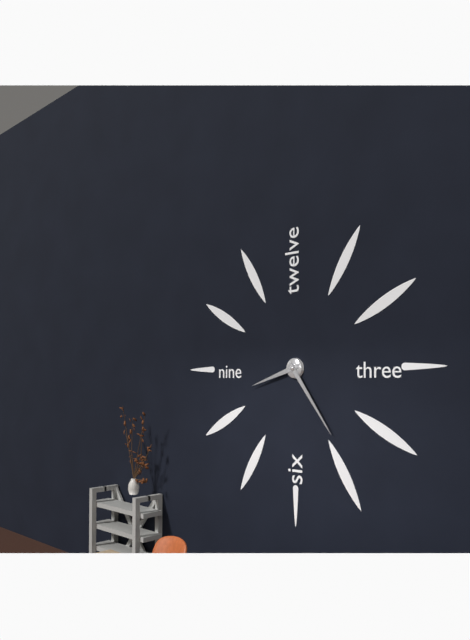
8h24
